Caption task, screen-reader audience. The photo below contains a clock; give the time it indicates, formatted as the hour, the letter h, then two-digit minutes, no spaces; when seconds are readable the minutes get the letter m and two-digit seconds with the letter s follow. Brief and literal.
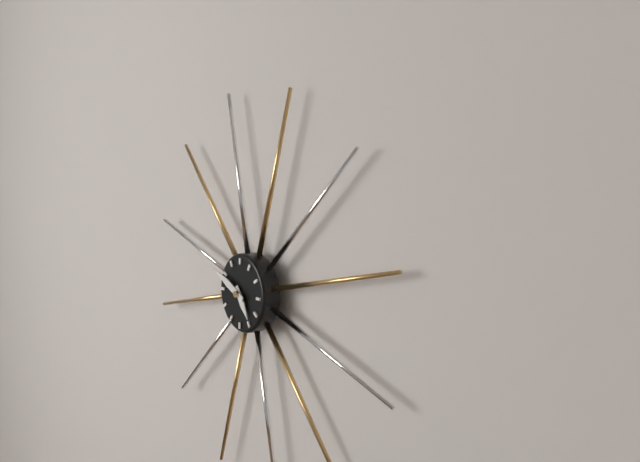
4h49
